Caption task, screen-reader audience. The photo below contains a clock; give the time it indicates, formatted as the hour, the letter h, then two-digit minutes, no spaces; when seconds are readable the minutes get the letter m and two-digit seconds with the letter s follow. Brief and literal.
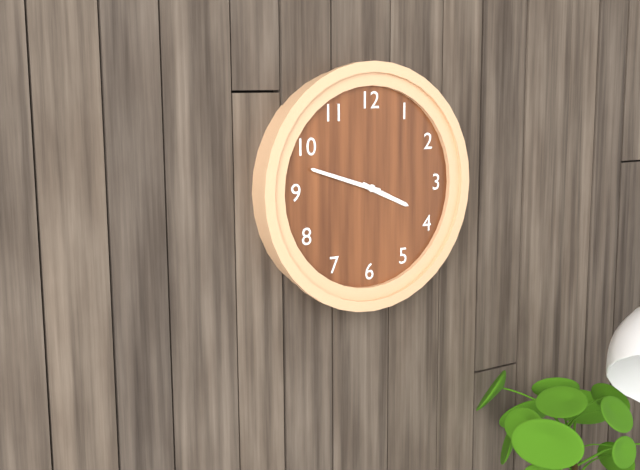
3h48
